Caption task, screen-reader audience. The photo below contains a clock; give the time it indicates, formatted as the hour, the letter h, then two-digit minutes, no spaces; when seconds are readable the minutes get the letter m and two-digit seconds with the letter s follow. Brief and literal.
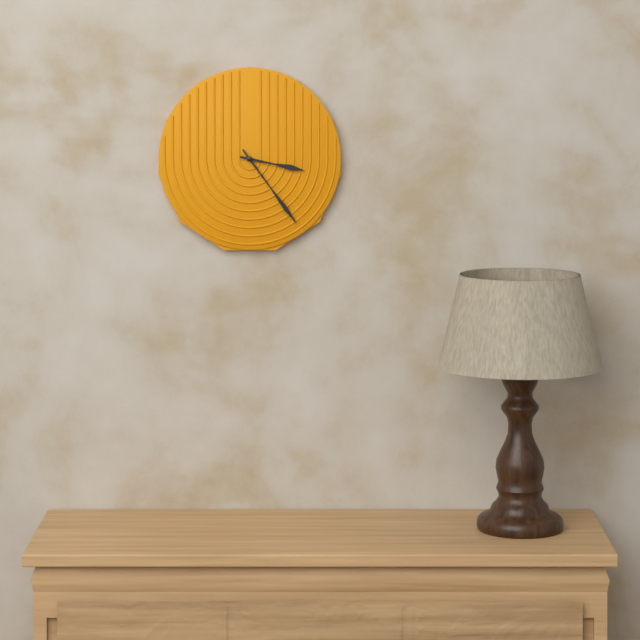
3h24
